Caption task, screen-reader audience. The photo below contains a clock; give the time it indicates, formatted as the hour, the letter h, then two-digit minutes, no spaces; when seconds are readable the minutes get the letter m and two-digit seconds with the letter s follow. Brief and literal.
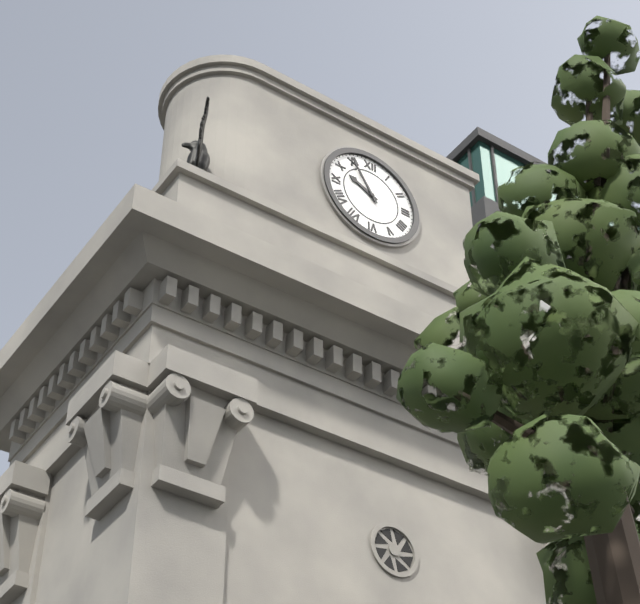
9h55
